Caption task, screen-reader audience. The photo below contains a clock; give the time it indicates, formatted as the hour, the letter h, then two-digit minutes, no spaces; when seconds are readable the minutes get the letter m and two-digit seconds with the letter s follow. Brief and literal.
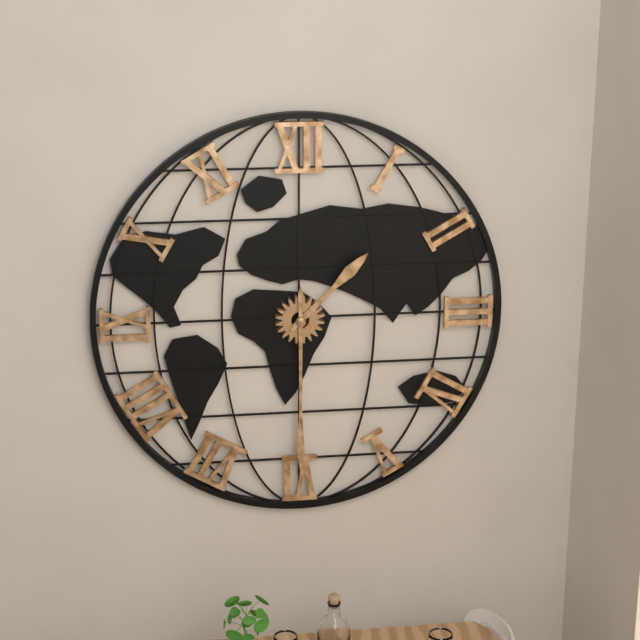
1h30
